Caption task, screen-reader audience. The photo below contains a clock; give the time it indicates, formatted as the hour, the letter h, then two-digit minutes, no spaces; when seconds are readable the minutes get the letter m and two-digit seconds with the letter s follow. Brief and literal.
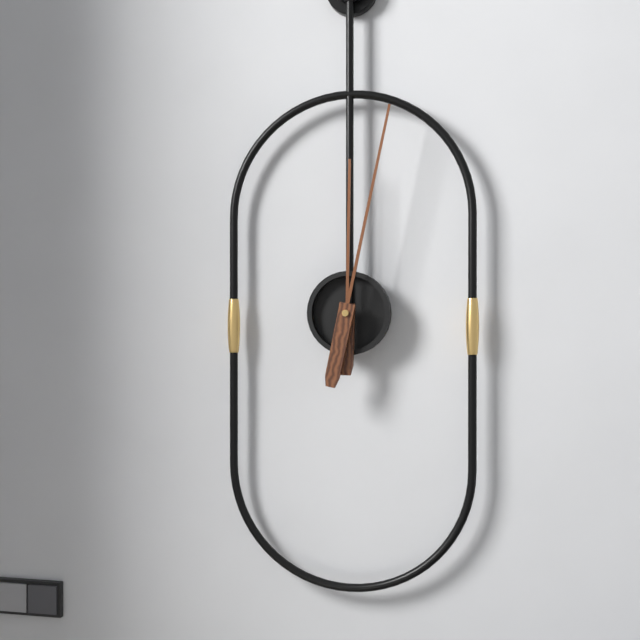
12h02
